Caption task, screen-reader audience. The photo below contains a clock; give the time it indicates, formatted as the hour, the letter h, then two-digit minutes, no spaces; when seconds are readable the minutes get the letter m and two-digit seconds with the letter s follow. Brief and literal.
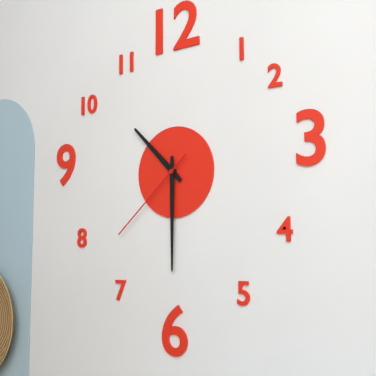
10h30m38s
